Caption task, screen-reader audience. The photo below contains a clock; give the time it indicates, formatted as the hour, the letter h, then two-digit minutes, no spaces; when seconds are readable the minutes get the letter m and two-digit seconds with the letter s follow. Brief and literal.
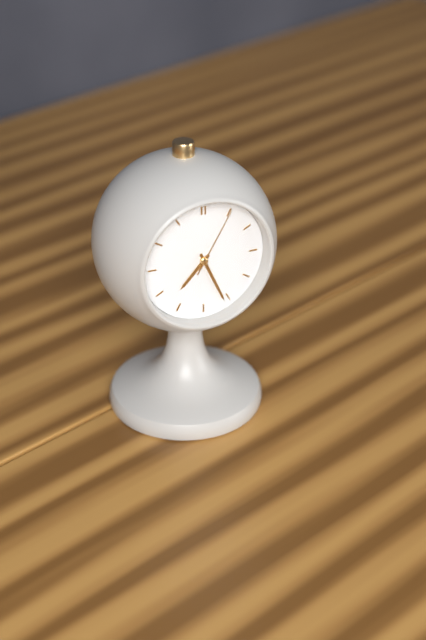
7h26m05s
